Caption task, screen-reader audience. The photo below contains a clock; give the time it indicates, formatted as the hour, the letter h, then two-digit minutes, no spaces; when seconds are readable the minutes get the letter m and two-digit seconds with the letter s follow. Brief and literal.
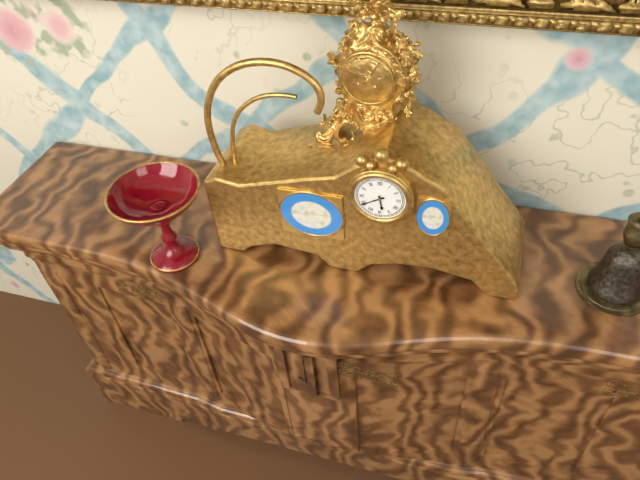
5h40
